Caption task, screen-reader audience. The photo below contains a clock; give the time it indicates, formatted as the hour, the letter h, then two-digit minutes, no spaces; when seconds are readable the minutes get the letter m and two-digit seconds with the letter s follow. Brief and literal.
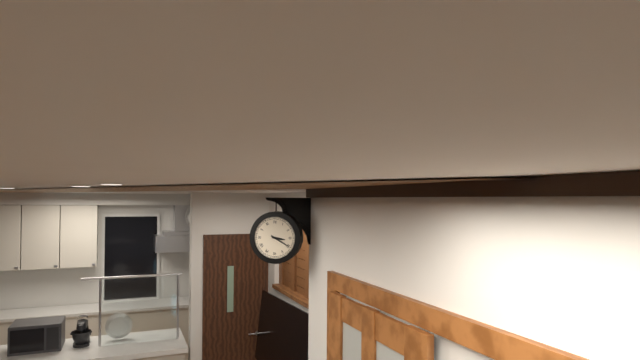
3h20
